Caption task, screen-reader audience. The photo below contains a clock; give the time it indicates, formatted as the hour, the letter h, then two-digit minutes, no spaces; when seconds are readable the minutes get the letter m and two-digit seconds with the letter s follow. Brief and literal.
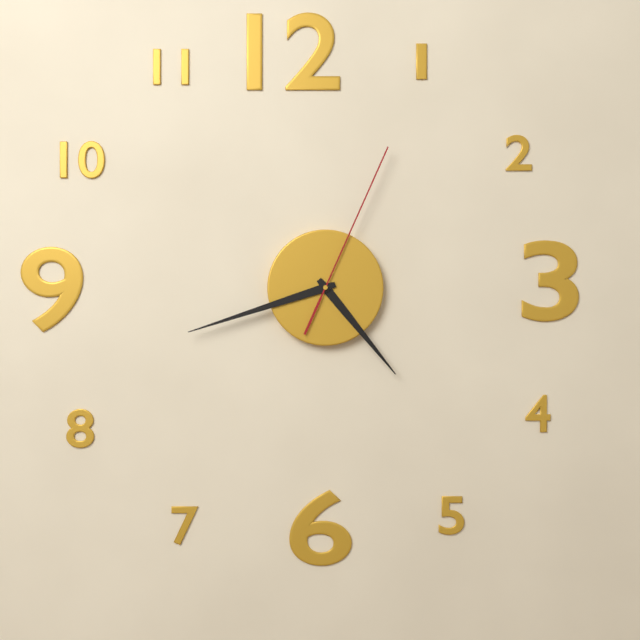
4h42m04s
